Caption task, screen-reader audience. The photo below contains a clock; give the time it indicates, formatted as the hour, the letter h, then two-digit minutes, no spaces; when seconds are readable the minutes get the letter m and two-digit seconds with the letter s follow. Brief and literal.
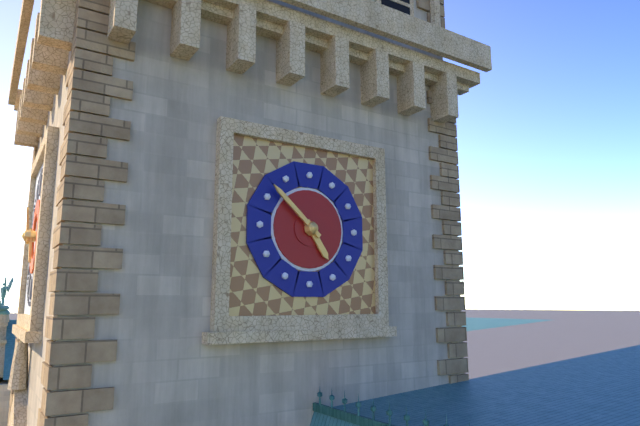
4h52
